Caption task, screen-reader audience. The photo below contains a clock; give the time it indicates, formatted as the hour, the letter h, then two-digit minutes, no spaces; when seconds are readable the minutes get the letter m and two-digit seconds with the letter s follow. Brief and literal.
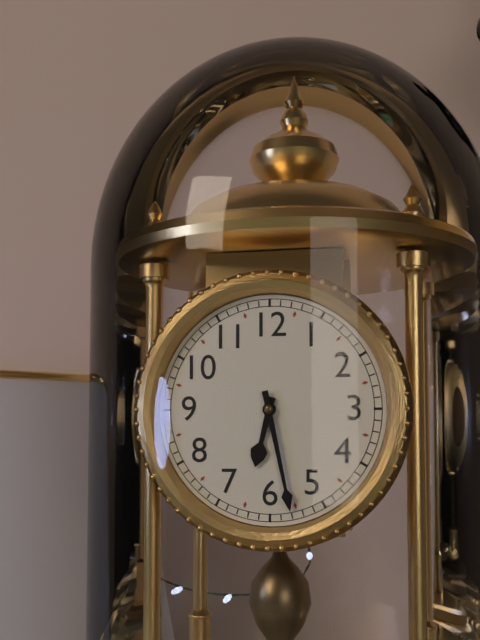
6h28
